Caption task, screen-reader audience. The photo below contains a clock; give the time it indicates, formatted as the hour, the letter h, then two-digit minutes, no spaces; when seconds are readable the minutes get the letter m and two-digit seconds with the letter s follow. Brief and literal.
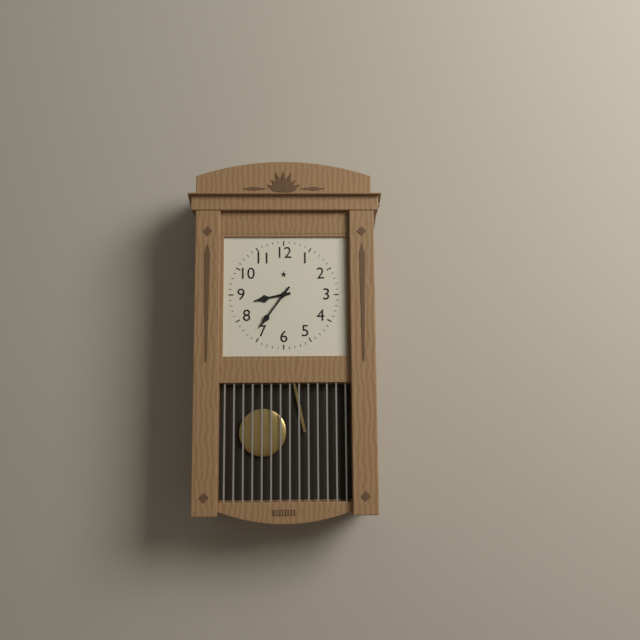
8h36
